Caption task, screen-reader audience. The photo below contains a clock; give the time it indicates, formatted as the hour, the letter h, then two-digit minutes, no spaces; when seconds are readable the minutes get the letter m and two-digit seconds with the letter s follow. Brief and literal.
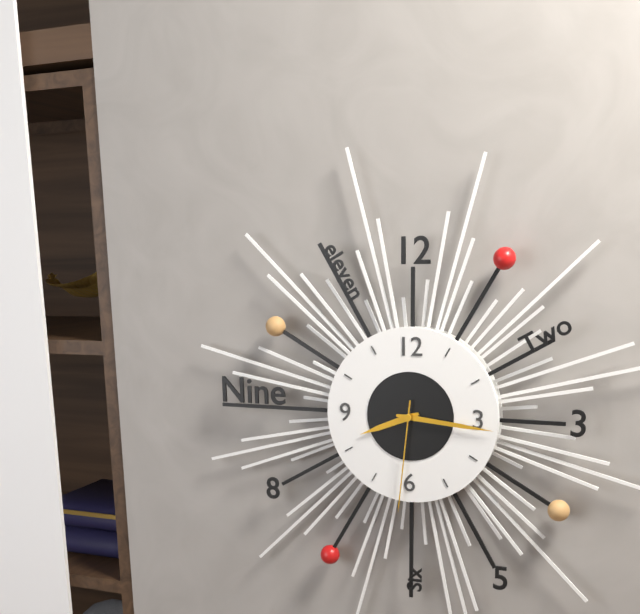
8h16m31s
